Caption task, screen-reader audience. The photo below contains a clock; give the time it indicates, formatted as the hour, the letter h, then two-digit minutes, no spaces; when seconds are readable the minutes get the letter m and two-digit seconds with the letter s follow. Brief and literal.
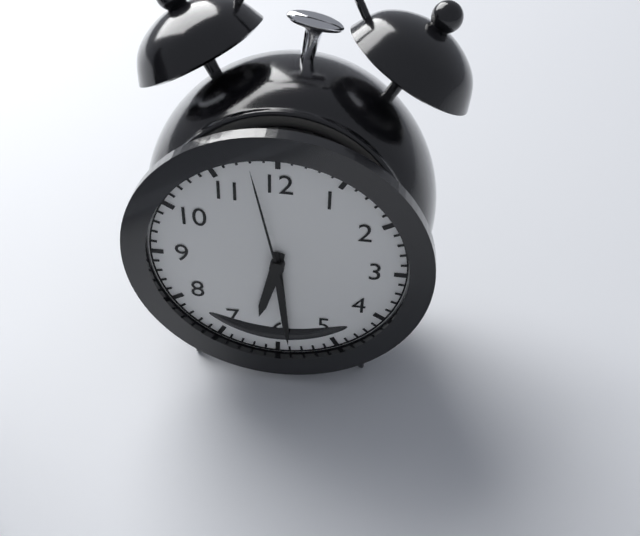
6h29m58s
